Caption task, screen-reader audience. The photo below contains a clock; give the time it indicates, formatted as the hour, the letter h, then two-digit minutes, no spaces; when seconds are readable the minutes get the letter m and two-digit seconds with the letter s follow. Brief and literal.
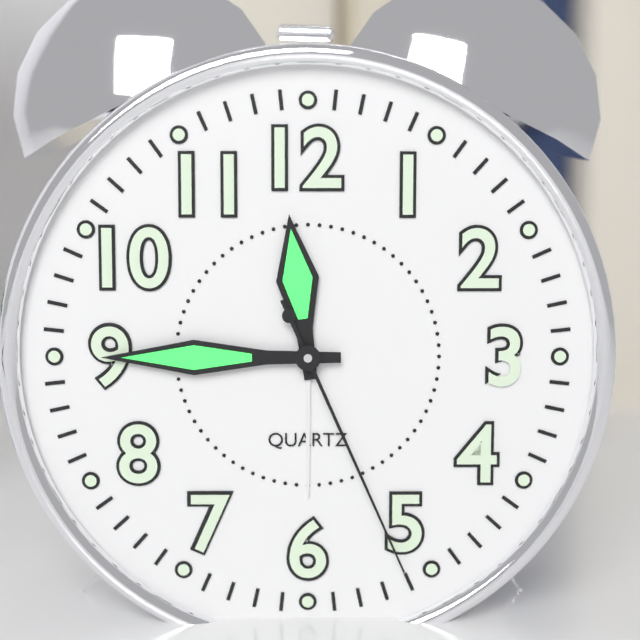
11h45m26s
